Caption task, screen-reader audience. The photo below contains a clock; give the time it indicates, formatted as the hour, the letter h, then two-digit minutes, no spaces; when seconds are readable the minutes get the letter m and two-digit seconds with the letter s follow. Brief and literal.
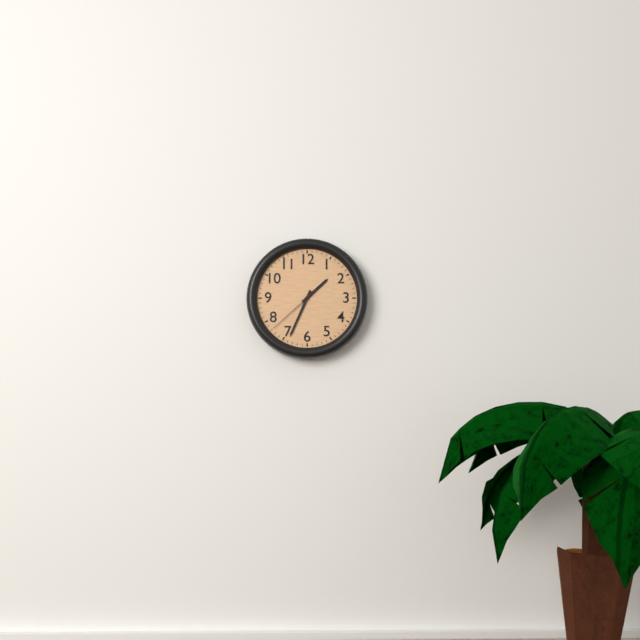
1h34m38s
